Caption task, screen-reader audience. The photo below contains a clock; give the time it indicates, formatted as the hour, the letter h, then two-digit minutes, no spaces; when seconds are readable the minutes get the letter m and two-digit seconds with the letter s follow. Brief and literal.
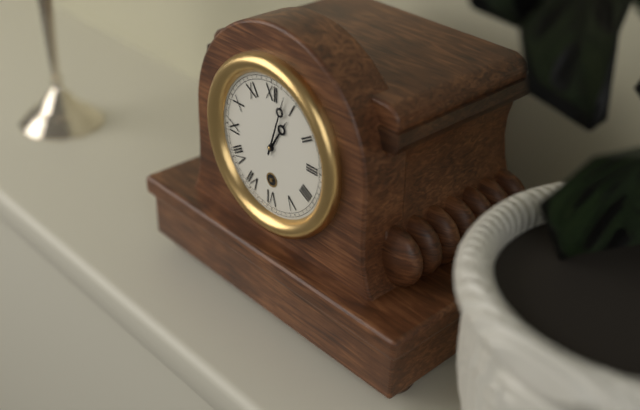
1h03
